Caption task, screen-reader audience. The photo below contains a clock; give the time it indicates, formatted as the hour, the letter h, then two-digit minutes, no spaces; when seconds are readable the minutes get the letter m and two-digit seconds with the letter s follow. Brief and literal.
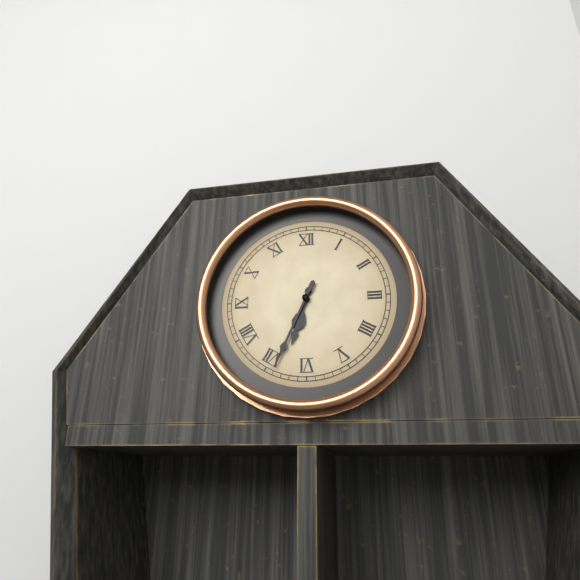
6h34
